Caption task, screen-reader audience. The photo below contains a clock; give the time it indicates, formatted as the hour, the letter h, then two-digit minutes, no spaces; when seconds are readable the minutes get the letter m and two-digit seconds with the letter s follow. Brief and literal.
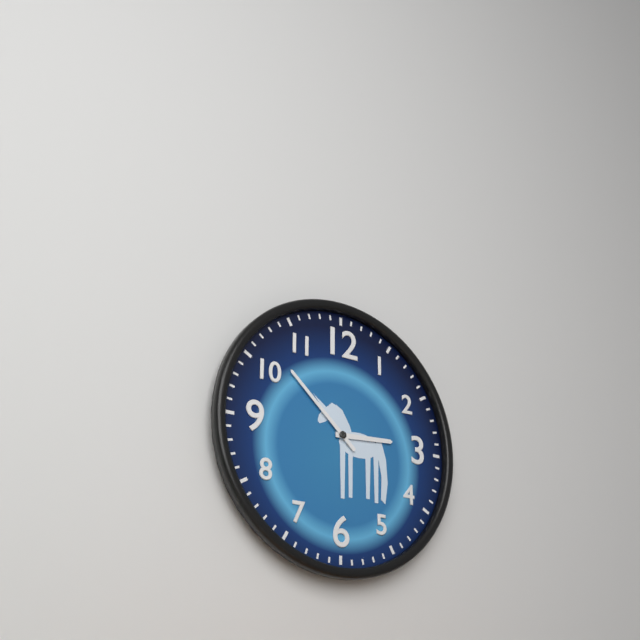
2h52
